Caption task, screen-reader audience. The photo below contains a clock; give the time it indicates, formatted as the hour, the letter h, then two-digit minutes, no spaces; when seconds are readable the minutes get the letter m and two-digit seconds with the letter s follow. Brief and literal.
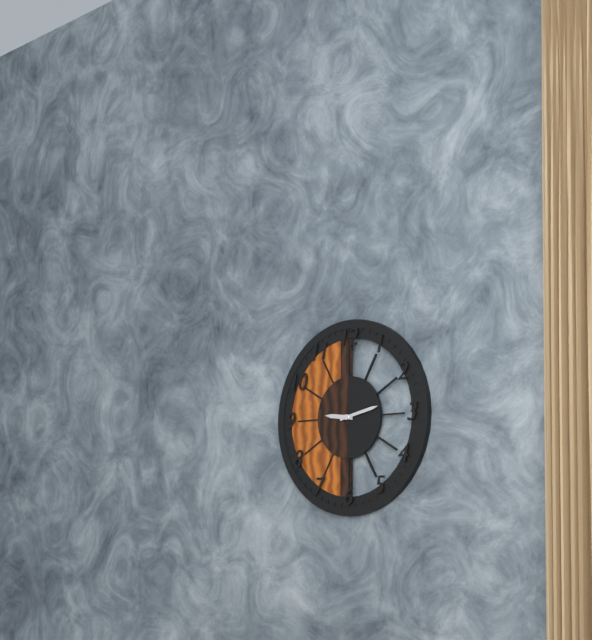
9h13
